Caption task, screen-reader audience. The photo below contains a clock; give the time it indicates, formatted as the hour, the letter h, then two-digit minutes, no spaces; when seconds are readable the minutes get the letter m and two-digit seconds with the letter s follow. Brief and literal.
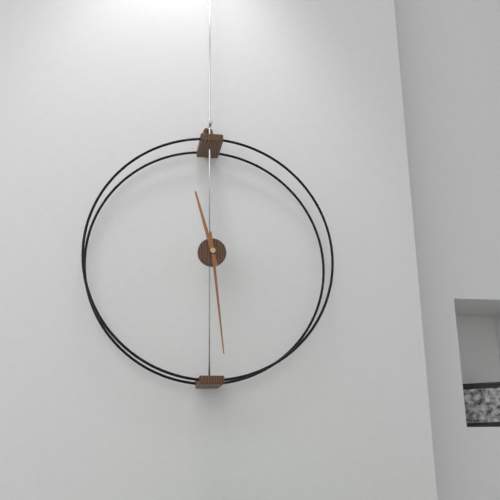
11h29
